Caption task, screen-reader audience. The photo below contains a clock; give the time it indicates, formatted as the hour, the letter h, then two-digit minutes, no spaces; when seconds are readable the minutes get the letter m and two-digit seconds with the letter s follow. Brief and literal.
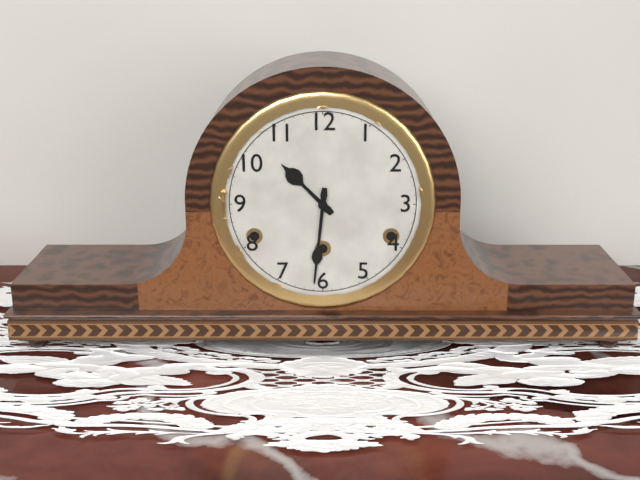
10h31
